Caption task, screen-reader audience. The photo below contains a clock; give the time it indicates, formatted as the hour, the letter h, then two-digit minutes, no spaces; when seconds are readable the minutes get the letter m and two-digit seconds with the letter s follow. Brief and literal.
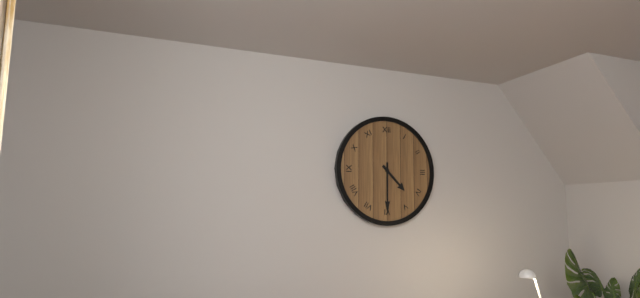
4h30
